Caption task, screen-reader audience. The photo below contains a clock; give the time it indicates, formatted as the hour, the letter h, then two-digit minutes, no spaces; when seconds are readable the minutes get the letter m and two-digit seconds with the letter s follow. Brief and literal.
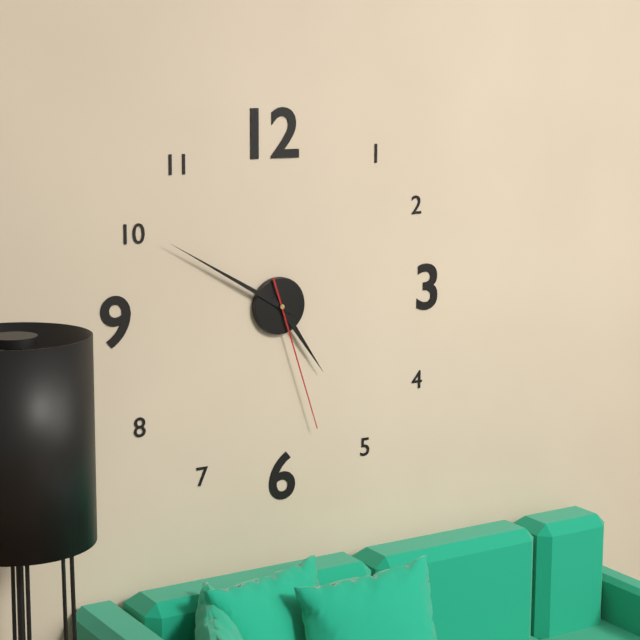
4h50m27s
